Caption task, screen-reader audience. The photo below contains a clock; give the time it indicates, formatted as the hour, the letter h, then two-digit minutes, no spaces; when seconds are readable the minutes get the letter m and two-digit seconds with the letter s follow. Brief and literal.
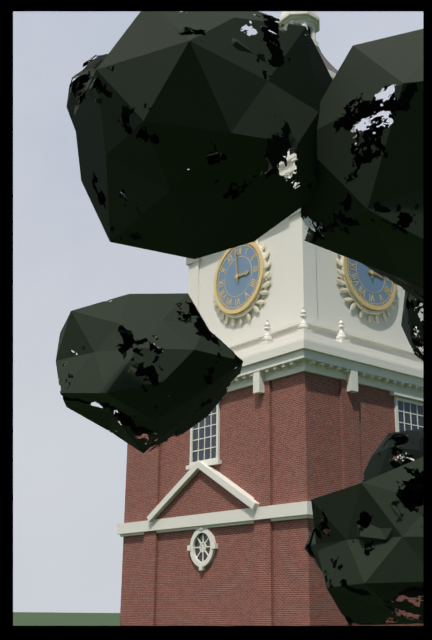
2h59
